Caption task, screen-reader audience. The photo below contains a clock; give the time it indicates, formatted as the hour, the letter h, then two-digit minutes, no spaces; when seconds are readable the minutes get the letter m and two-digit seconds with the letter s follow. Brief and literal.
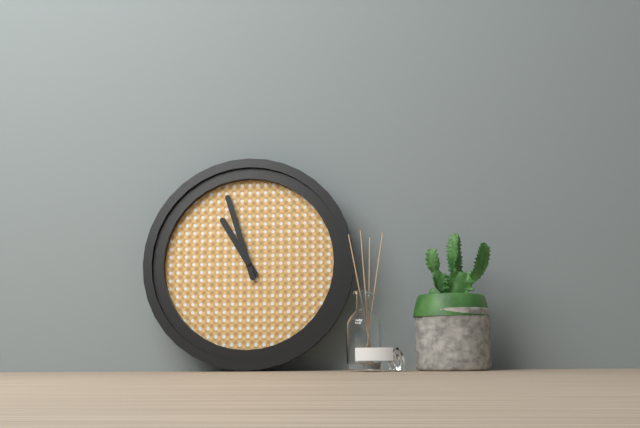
10h57
